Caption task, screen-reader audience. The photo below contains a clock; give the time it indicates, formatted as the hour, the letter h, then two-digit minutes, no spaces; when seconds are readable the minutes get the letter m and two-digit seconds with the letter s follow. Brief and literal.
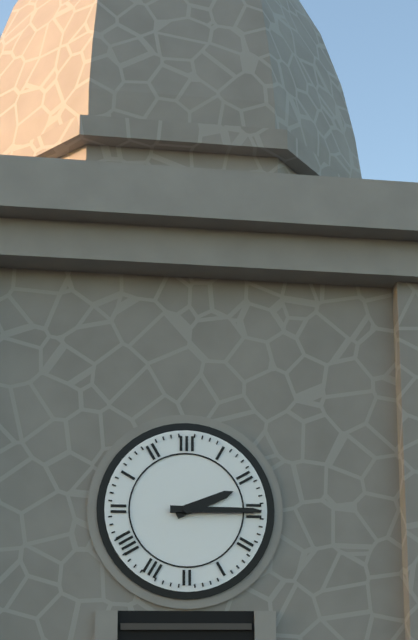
2h15
